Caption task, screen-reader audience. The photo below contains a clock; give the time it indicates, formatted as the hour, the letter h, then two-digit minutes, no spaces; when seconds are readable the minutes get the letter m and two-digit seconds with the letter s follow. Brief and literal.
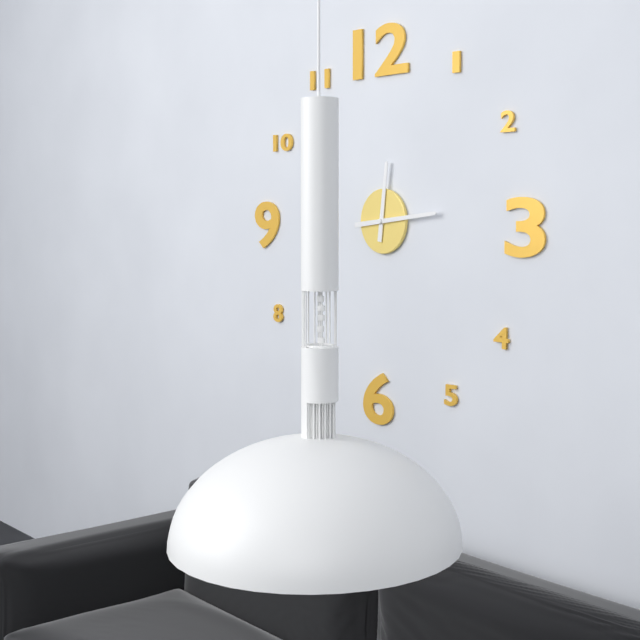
12h14
